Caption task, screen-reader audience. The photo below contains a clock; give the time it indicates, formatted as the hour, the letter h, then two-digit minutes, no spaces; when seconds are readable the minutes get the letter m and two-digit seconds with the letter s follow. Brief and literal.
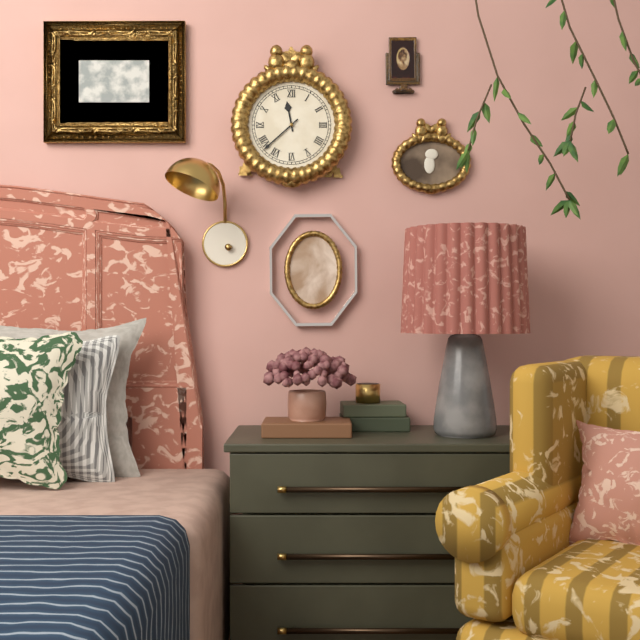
11h38
